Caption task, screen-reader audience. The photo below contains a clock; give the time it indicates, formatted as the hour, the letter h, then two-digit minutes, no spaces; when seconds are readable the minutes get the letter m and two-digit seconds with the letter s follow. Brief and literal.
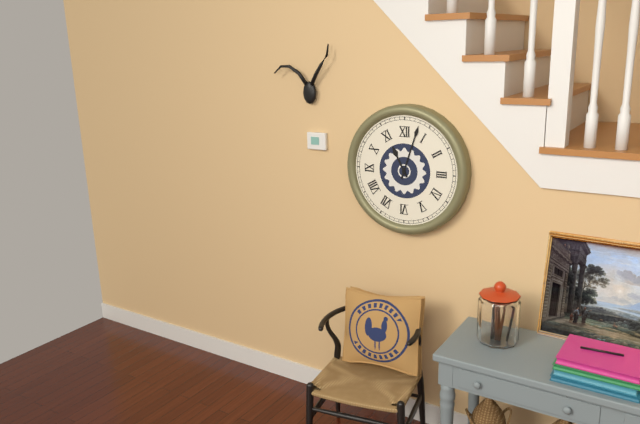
11h03
